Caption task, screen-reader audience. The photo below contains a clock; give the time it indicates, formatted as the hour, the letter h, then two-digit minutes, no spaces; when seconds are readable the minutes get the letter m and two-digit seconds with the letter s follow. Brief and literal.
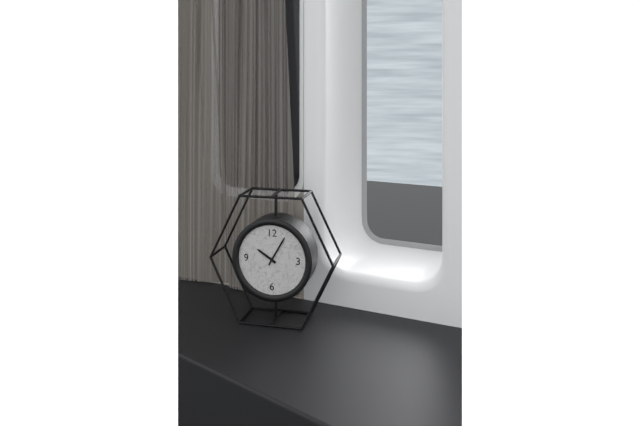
10h05
